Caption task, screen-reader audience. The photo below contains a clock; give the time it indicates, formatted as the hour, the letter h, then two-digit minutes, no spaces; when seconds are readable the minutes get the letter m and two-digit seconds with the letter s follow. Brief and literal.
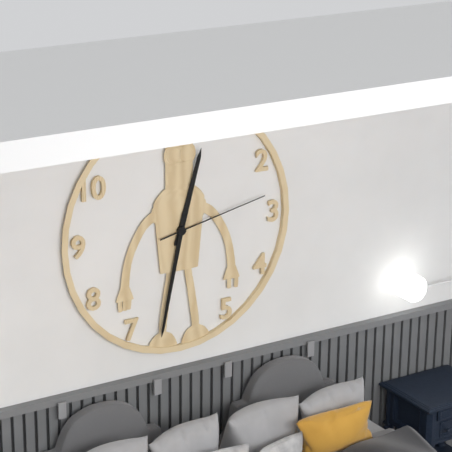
12h32m13s
